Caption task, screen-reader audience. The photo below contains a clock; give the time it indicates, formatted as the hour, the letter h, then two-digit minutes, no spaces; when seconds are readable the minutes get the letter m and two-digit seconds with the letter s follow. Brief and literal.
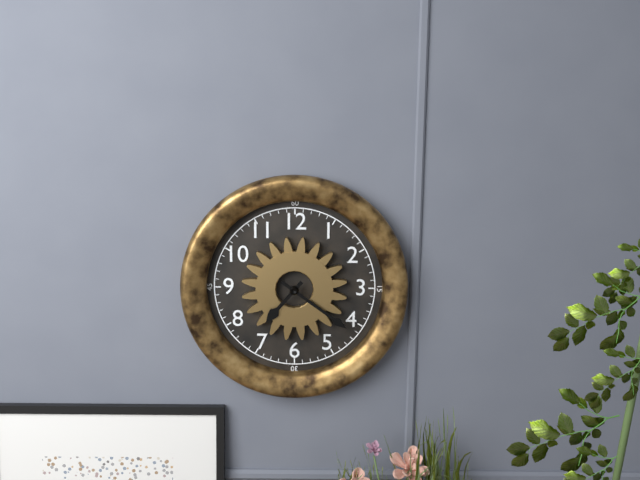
7h21
